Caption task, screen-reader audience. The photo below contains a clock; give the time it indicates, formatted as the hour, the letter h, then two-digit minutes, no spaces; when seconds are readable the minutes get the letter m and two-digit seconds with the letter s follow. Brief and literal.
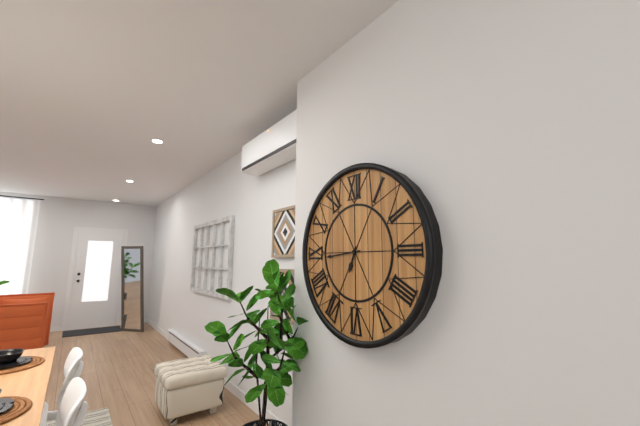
6h44
